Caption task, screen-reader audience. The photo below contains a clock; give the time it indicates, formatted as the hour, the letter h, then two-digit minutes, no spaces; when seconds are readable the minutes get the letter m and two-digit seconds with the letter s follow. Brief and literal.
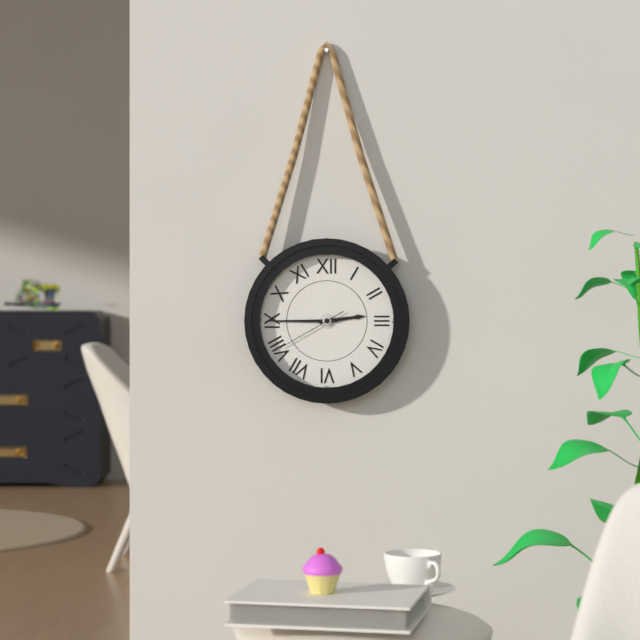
2h45m40s
